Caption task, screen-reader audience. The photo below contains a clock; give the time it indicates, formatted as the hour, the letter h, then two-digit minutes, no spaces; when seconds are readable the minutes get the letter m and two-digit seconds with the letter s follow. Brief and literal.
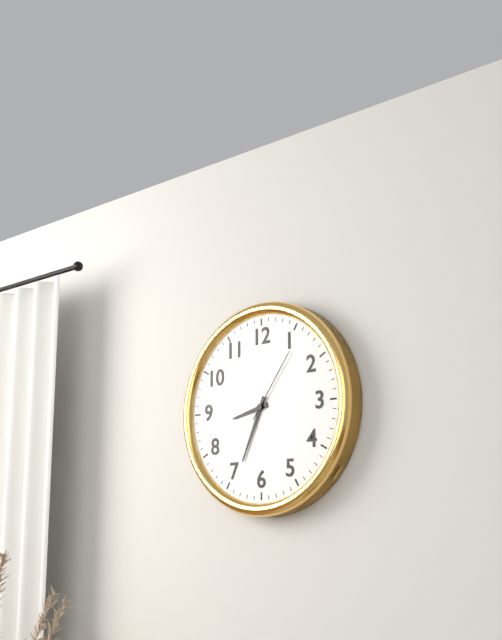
8h34m06s
